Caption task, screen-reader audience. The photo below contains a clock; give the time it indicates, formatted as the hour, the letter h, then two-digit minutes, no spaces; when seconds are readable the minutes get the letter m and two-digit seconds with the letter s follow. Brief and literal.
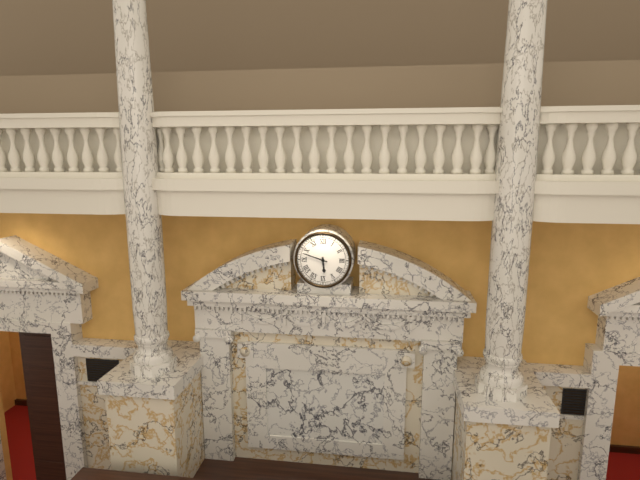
5h48
